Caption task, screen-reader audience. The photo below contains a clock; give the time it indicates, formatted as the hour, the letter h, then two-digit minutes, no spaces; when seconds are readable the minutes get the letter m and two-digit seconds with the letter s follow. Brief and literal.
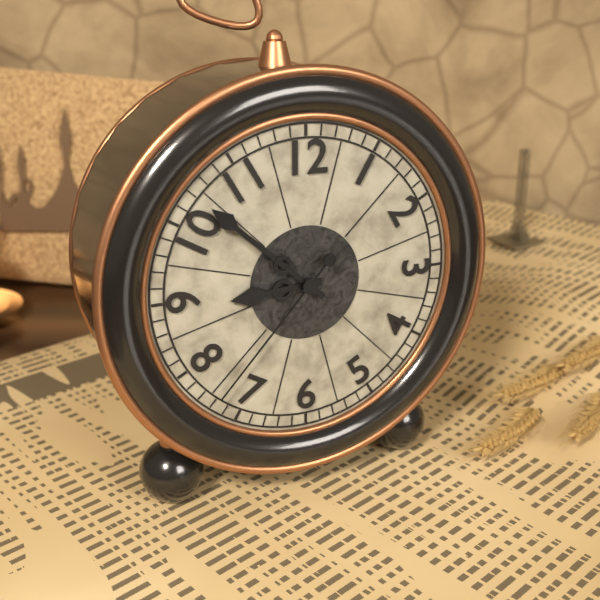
8h52m37s
